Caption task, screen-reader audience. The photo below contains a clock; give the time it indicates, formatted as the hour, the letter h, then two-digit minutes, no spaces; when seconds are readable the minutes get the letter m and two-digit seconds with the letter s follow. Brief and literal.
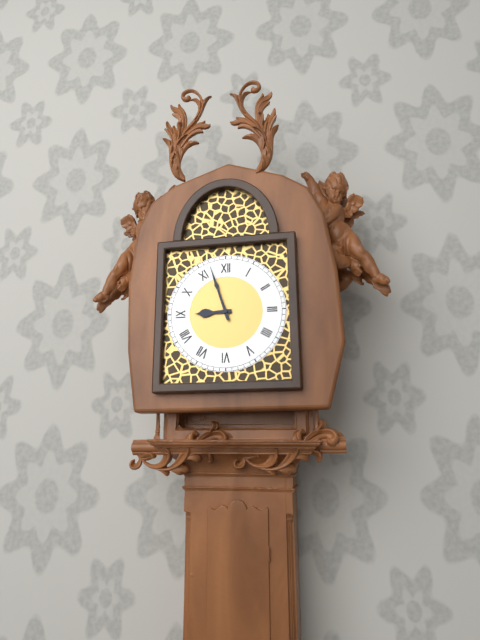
8h57
